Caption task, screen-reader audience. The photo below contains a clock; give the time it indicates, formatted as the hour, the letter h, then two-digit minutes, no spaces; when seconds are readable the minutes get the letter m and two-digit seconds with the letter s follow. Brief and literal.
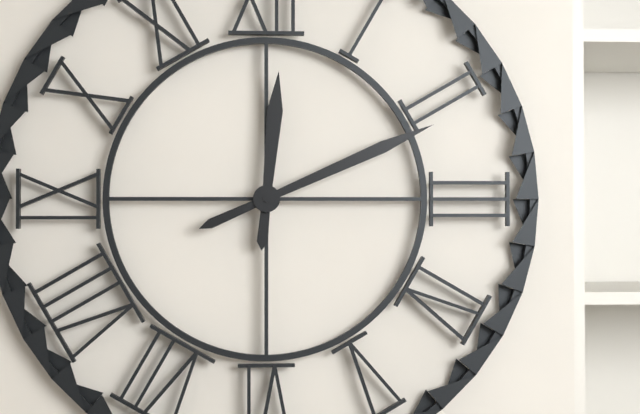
12h11
